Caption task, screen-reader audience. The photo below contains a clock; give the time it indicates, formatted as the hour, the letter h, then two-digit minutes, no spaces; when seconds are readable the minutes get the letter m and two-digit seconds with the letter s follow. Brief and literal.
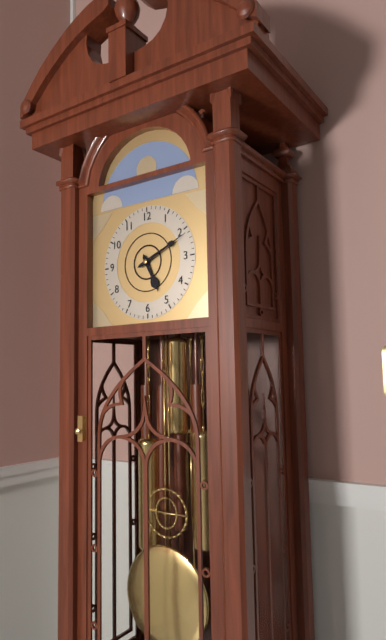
5h11
